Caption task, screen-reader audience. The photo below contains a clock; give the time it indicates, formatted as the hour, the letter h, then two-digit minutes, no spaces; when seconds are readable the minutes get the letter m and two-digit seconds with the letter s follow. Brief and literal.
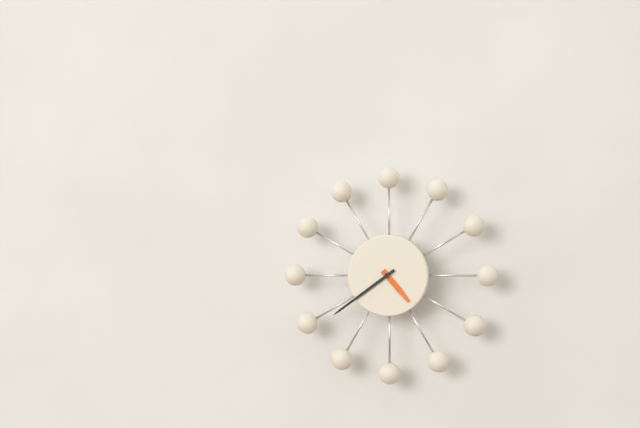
4h39
